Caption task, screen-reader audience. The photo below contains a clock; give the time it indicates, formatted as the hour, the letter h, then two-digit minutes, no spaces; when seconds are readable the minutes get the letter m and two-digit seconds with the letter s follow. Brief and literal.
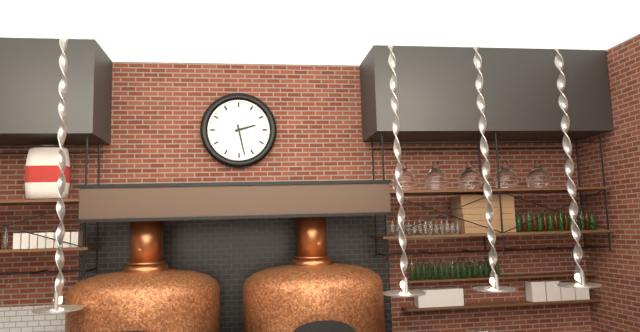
2h28
